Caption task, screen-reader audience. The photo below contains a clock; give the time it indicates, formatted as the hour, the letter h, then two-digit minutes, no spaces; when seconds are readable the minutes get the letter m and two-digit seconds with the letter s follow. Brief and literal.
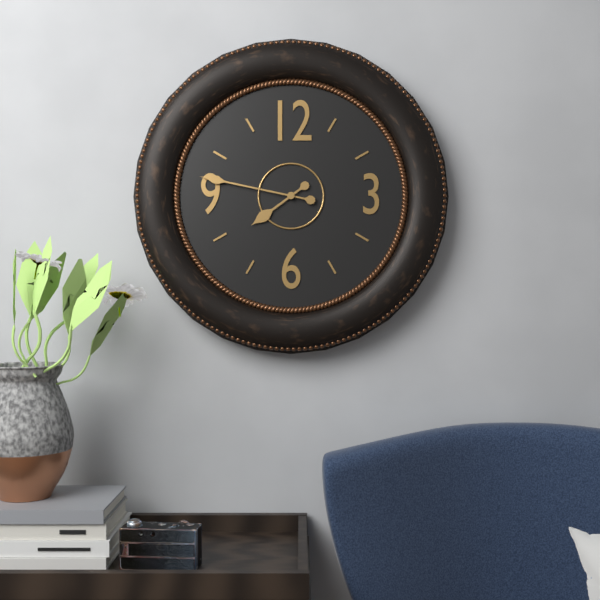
7h47
